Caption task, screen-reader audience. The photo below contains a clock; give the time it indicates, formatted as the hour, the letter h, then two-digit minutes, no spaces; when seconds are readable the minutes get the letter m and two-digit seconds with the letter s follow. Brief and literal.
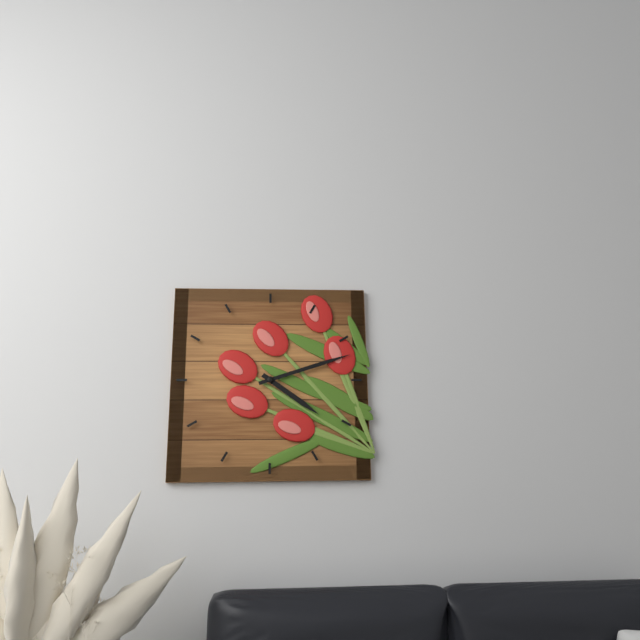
4h12
